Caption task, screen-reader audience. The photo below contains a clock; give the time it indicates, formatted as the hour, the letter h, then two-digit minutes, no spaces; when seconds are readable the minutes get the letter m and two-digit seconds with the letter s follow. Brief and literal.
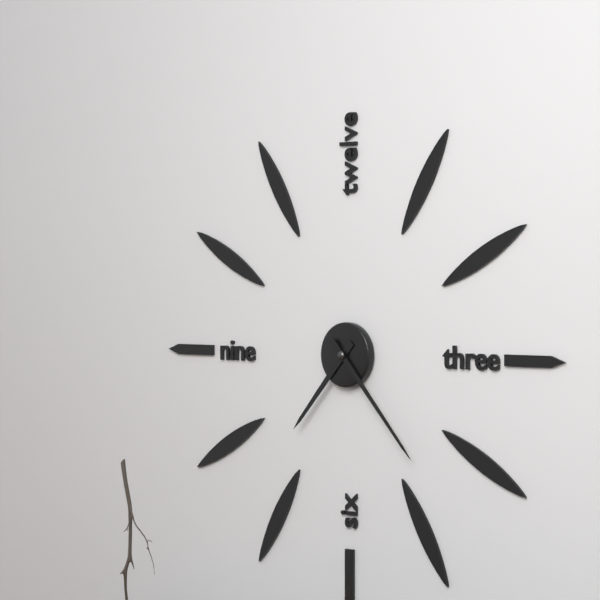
7h23
